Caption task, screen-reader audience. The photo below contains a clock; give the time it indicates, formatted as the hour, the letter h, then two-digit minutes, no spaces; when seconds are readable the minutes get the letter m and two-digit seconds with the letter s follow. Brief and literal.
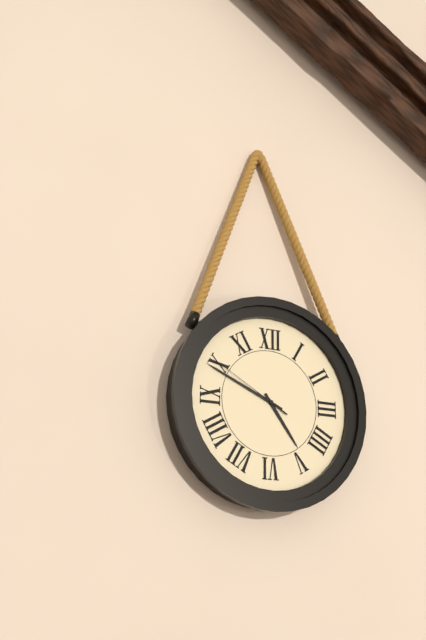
4h49m50s
